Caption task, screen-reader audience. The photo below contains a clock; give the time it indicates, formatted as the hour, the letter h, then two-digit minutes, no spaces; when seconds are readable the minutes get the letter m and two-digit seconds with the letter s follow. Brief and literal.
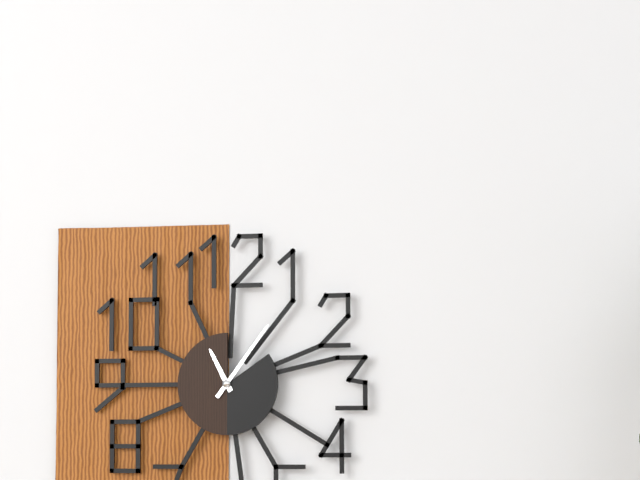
11h06
